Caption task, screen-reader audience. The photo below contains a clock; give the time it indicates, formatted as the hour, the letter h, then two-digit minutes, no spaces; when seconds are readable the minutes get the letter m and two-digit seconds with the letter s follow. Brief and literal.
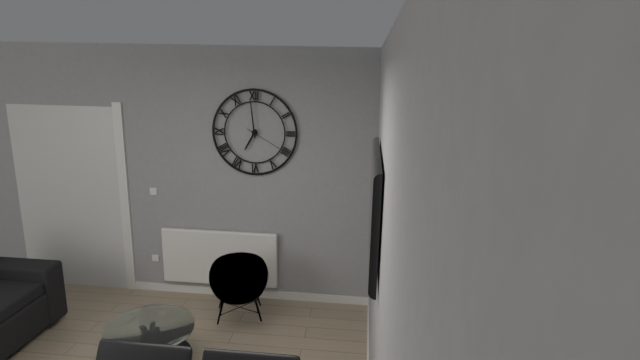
6h59
